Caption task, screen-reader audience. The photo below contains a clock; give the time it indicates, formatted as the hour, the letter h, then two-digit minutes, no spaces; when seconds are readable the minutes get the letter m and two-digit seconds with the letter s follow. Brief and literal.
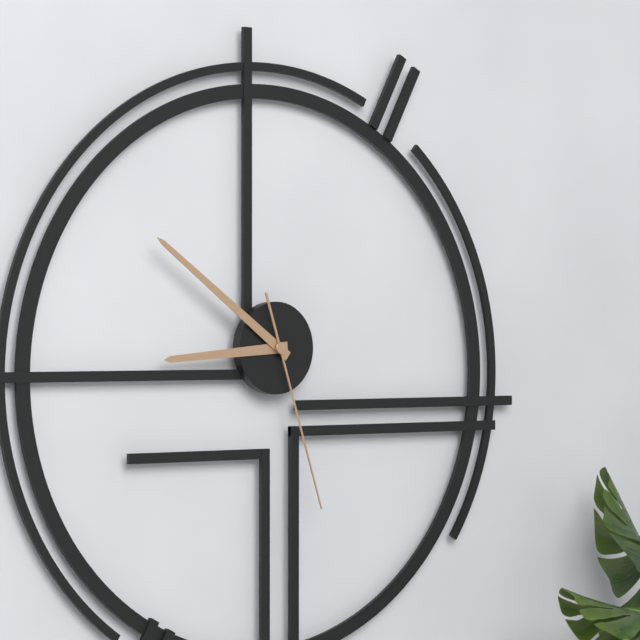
8h51m27s
